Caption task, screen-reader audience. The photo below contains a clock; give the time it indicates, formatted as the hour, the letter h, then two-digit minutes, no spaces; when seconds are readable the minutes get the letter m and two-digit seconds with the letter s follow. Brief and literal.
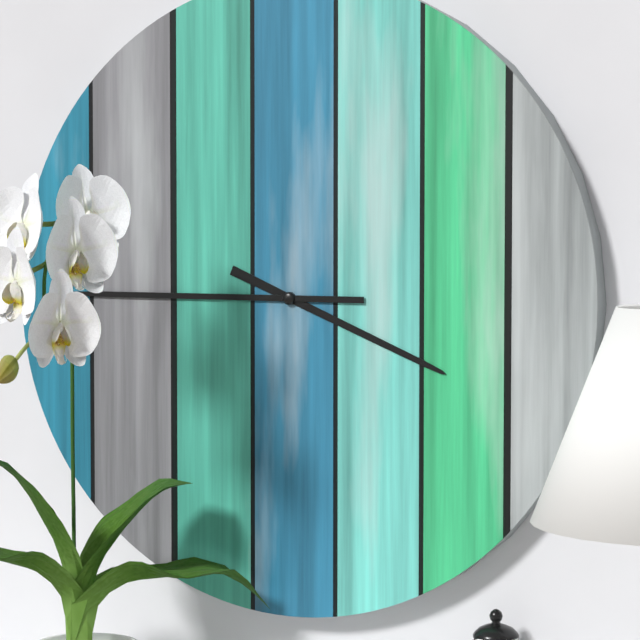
3h45
